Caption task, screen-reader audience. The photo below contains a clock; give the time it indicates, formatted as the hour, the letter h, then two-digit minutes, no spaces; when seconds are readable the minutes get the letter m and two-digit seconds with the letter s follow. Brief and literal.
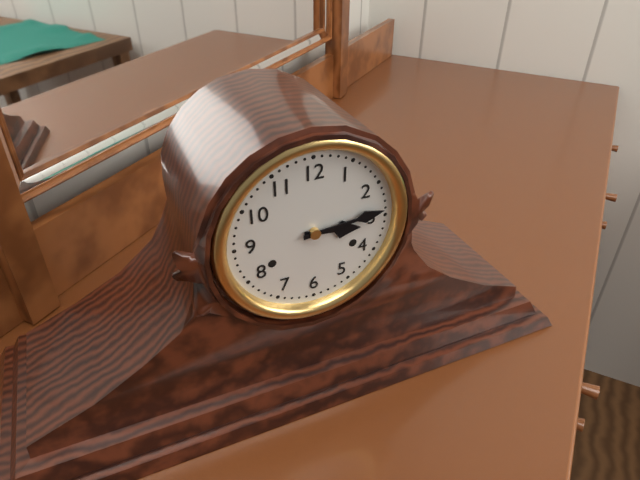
3h14
